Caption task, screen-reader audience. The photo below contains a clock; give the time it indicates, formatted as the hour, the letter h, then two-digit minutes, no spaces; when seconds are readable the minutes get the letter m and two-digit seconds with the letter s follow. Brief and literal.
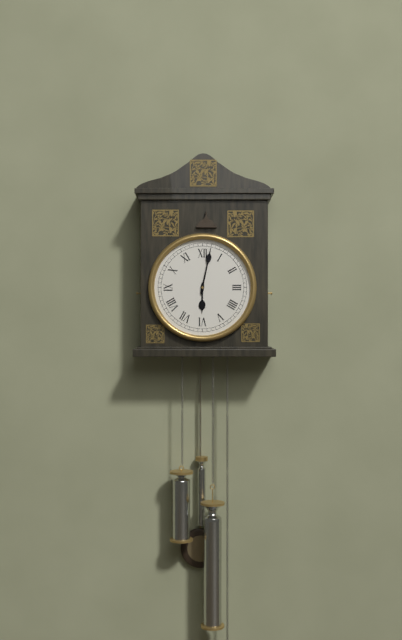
6h02
